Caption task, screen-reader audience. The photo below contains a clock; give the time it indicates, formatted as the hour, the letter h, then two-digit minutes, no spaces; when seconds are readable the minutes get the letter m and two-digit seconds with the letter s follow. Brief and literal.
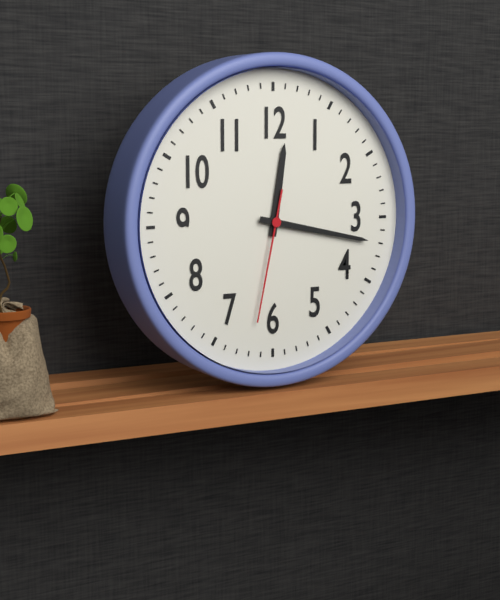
12h17m32s
